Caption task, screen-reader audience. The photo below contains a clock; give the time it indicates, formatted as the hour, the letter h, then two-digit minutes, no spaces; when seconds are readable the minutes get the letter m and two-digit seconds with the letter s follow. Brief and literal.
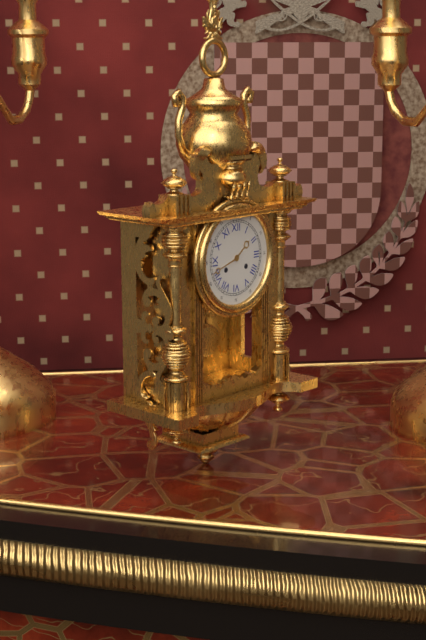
1h42
